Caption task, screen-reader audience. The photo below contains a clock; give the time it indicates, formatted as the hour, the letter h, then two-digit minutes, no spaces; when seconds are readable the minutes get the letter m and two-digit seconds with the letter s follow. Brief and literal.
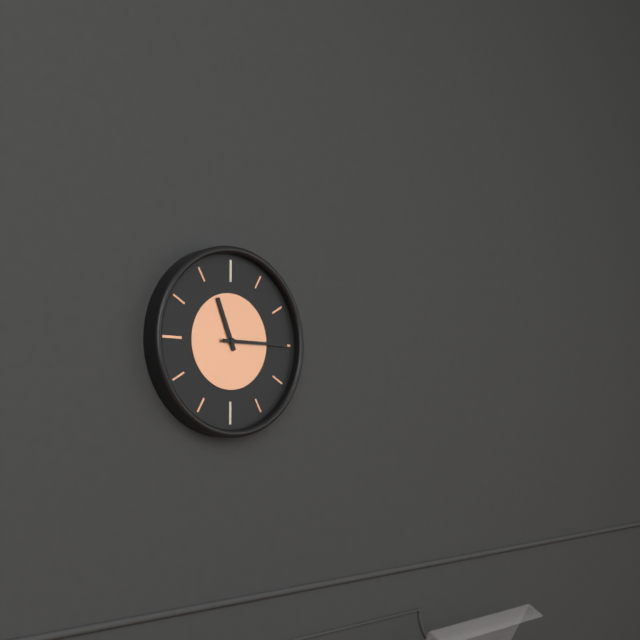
11h15
